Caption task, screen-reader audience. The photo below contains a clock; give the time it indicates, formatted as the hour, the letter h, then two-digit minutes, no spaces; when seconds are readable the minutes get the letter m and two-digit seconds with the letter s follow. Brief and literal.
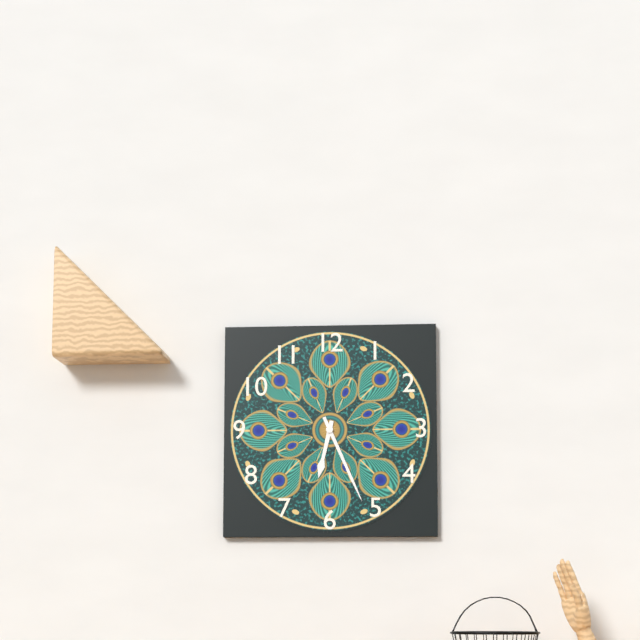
6h26
